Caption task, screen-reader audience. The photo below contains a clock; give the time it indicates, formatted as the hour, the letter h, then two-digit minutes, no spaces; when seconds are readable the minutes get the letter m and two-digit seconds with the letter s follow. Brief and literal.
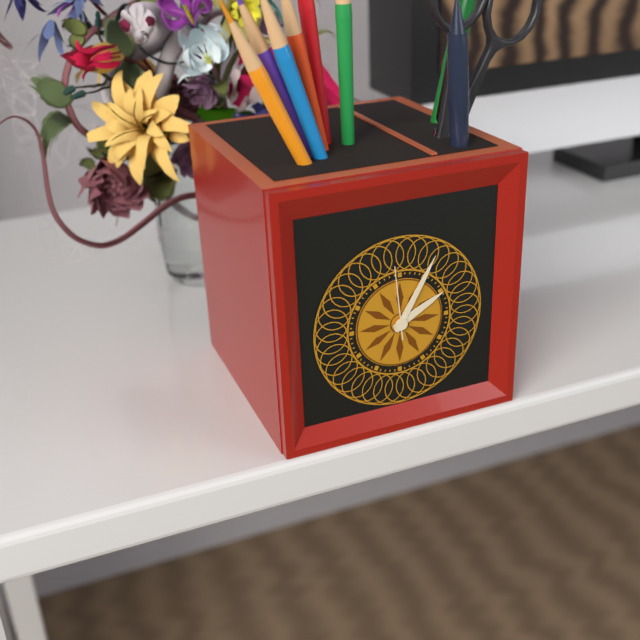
2h05m59s
